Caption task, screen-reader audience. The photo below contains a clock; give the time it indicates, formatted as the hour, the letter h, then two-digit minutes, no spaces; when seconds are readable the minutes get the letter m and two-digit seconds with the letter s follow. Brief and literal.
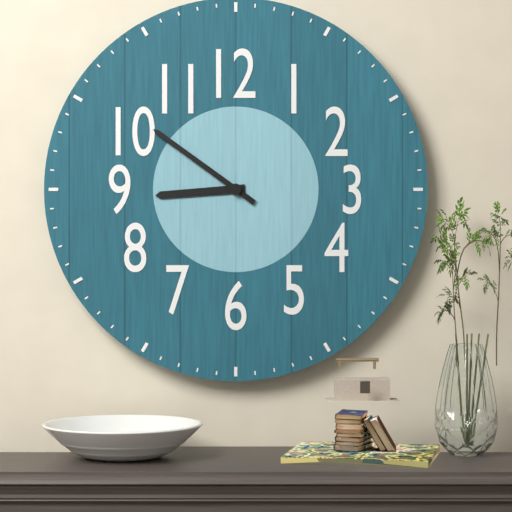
8h51
